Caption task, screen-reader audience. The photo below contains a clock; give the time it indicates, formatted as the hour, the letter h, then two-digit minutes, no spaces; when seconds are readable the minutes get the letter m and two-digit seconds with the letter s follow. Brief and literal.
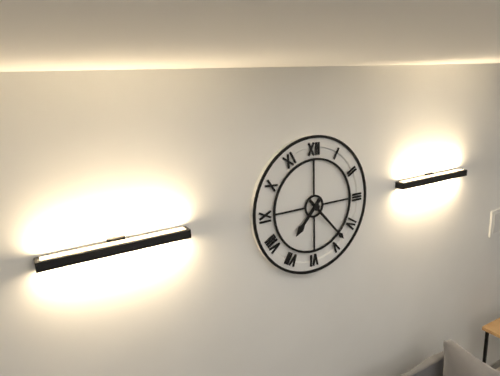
7h23
